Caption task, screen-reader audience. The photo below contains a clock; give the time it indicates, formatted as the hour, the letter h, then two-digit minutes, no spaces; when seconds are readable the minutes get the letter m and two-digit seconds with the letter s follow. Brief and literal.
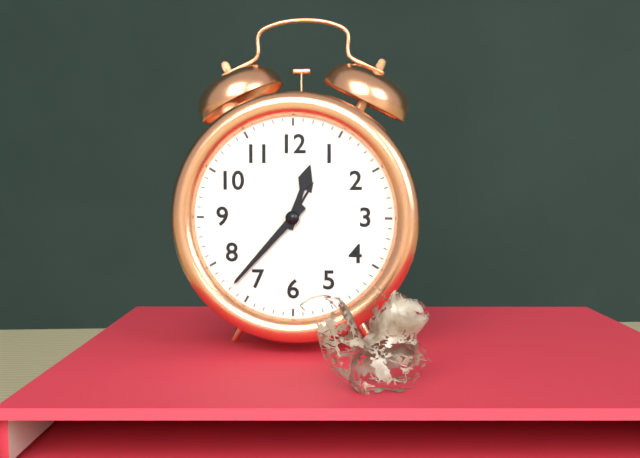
12h37
